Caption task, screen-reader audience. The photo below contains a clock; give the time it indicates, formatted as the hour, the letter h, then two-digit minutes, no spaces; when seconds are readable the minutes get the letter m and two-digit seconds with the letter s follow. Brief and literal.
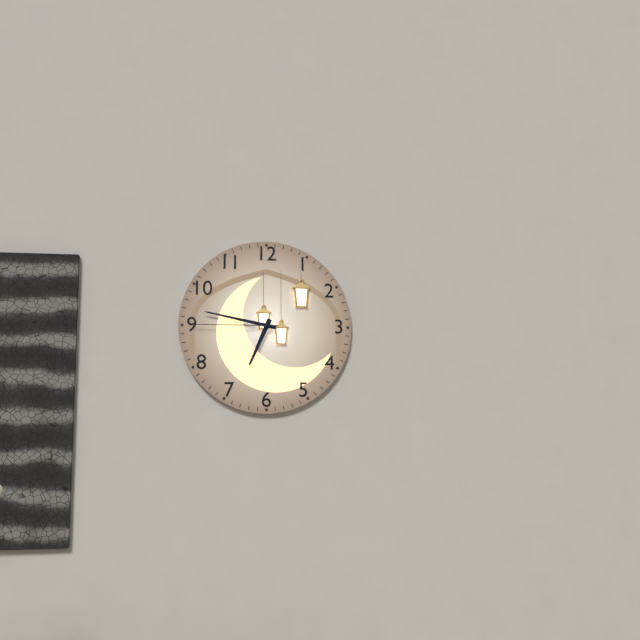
6h47m45s
